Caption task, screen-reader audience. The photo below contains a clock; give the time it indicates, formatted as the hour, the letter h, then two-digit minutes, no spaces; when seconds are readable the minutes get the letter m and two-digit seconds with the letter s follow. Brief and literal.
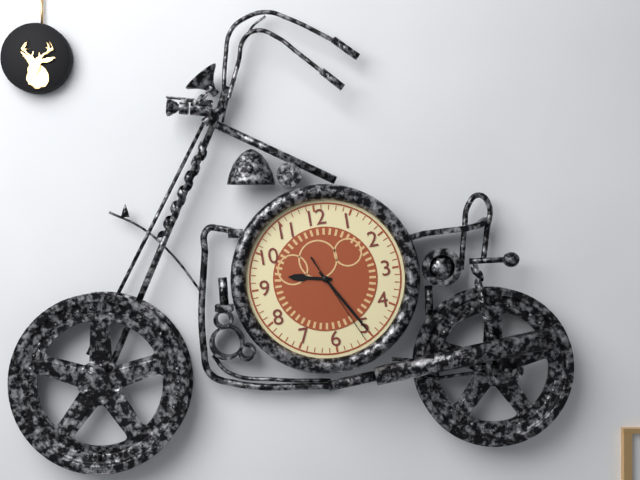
9h25m26s
